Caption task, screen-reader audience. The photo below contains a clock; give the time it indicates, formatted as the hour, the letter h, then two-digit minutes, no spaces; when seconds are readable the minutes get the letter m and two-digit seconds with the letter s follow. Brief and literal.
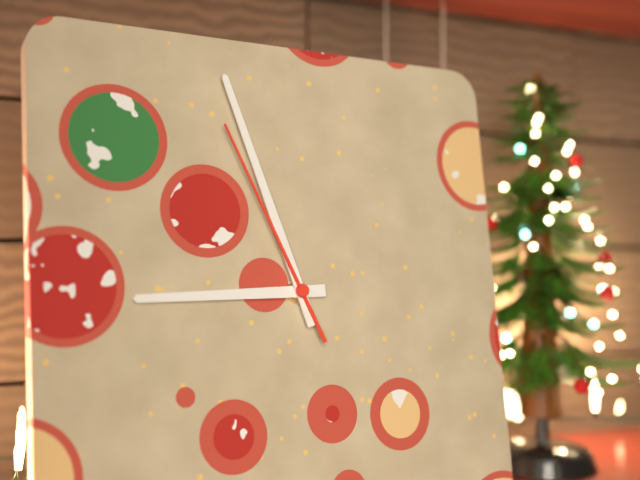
8h57m56s
